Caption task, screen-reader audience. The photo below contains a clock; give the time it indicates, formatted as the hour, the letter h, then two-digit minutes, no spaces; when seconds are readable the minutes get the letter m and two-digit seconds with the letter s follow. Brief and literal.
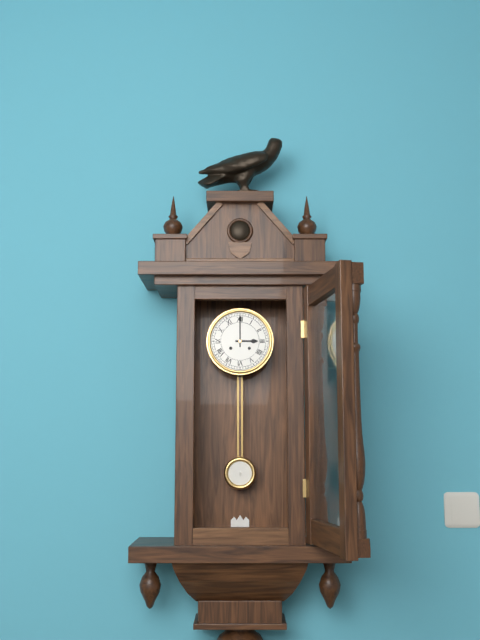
3h00
